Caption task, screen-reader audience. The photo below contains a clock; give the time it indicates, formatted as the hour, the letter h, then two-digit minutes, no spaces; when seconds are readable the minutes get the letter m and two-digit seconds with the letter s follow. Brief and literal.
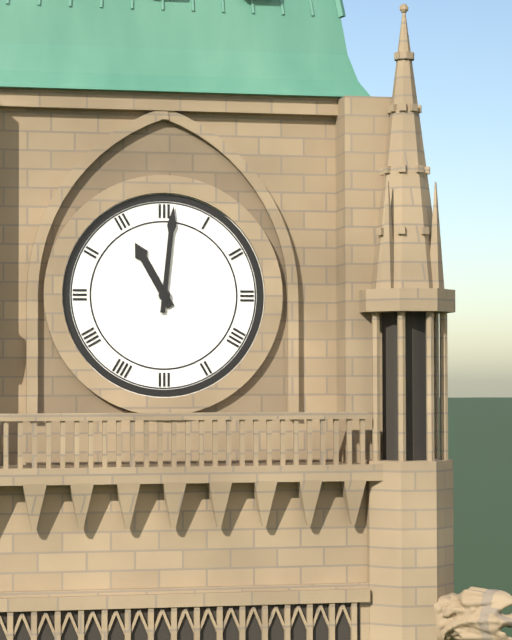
11h01
